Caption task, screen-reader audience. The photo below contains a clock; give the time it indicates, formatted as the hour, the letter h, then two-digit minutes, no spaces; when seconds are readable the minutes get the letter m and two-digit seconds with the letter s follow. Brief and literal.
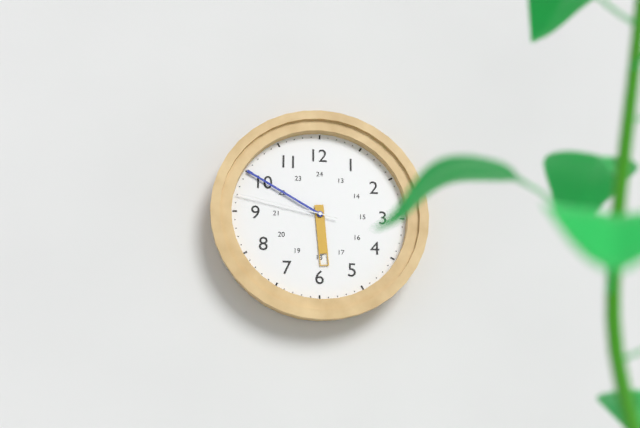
5h50m47s
